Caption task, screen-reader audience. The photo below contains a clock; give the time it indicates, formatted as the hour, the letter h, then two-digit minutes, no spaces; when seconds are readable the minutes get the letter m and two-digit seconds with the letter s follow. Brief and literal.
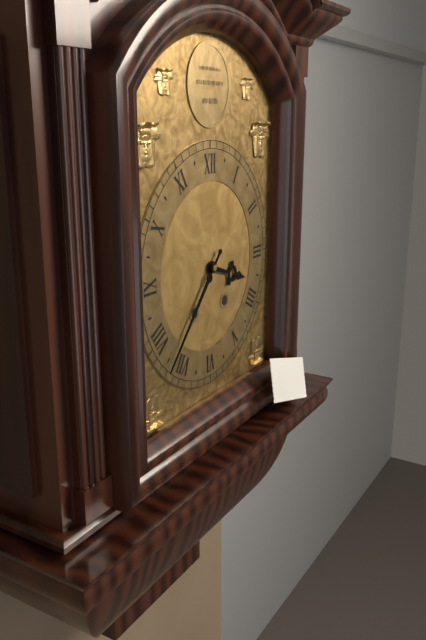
3h37
